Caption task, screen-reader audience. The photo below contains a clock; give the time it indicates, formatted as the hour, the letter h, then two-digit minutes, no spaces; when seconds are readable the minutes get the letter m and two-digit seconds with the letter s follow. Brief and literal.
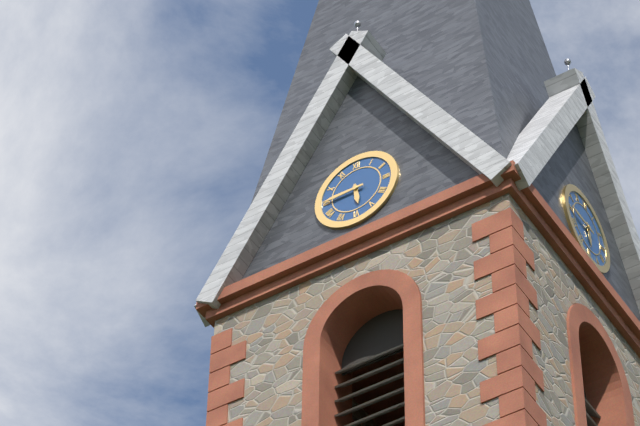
5h45
